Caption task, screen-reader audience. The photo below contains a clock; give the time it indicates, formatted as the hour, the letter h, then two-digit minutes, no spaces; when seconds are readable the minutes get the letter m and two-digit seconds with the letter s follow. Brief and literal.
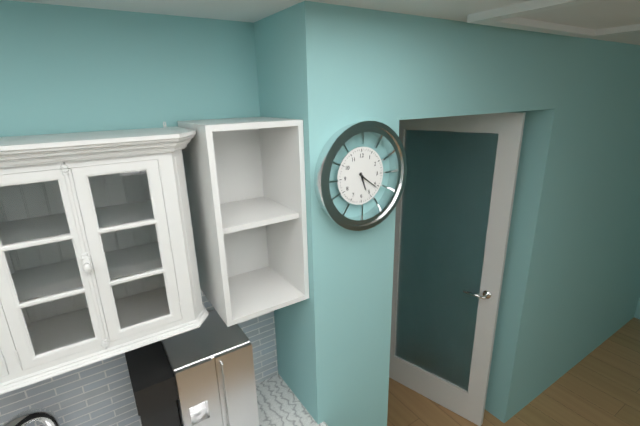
5h21
